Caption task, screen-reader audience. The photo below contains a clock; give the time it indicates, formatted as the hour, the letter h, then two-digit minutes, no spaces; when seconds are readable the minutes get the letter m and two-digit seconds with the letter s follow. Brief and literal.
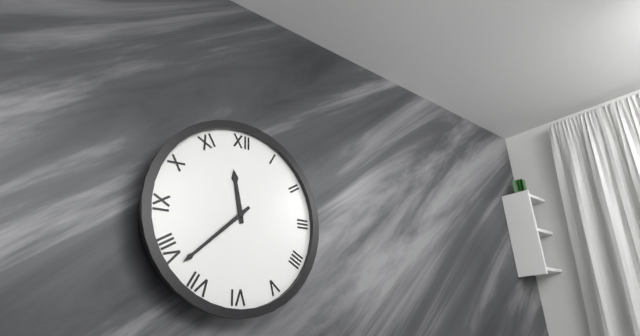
11h38
